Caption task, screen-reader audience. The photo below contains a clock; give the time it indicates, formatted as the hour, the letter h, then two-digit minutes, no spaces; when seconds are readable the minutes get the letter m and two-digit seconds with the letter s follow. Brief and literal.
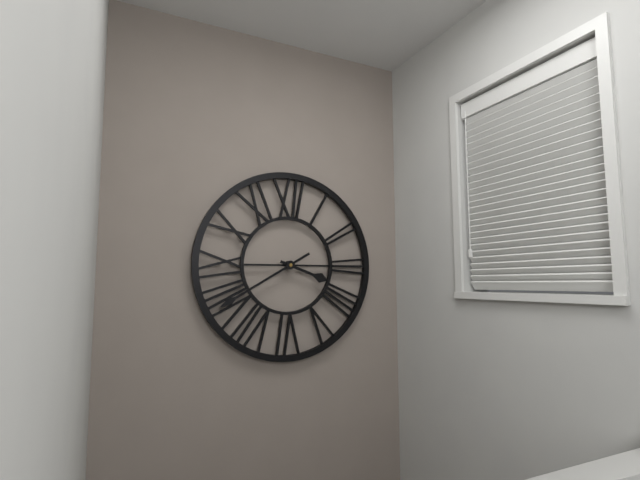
3h40
